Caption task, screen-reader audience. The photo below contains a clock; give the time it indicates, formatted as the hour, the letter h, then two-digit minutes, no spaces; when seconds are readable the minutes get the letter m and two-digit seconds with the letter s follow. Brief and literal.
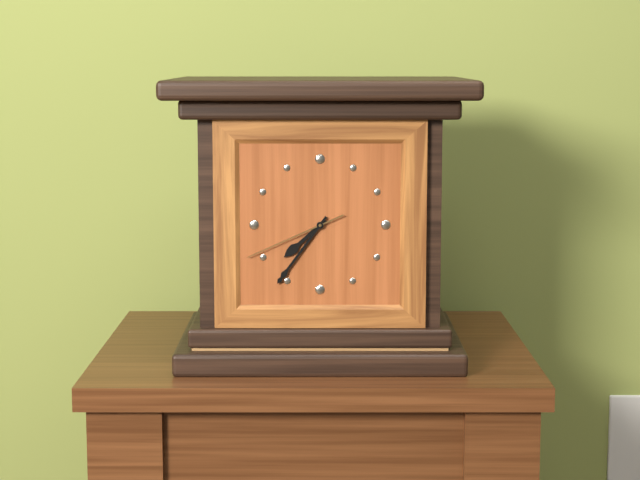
7h36m41s
